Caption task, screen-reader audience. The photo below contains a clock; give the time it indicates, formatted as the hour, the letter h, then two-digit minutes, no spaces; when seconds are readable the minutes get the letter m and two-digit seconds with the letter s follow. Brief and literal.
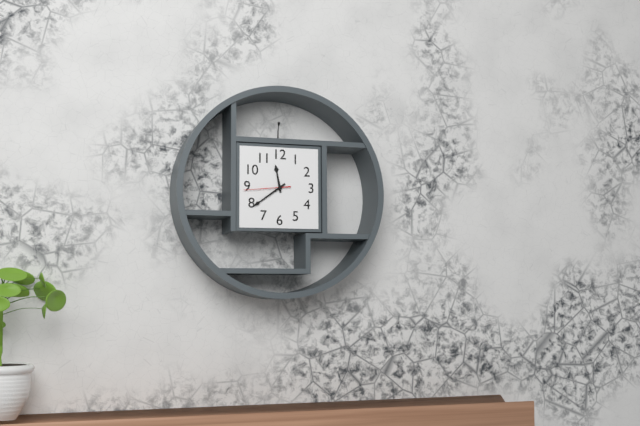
11h39
